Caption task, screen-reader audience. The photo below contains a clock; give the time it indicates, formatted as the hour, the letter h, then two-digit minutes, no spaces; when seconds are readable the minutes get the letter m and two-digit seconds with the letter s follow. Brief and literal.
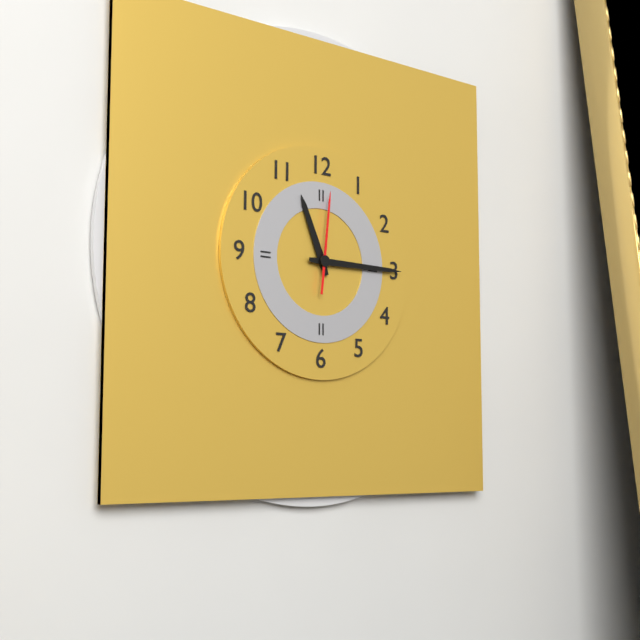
11h15m01s
